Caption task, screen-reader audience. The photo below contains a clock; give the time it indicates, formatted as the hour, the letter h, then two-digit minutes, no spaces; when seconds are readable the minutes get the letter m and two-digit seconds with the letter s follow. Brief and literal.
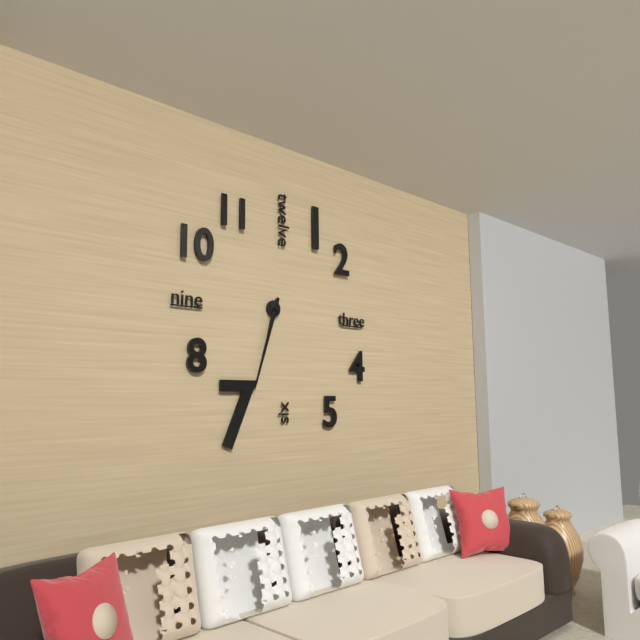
6h33
